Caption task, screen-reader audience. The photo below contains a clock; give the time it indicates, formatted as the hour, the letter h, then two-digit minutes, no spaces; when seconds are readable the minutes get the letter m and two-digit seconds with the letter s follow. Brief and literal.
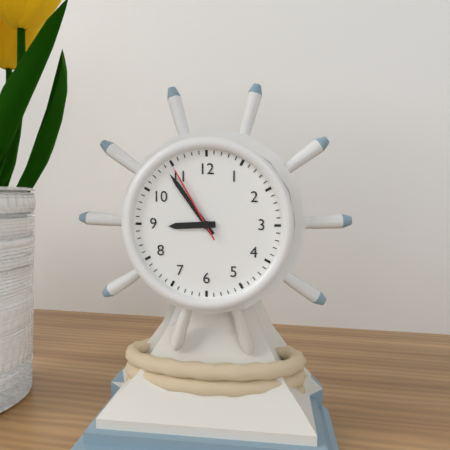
8h54m55s
